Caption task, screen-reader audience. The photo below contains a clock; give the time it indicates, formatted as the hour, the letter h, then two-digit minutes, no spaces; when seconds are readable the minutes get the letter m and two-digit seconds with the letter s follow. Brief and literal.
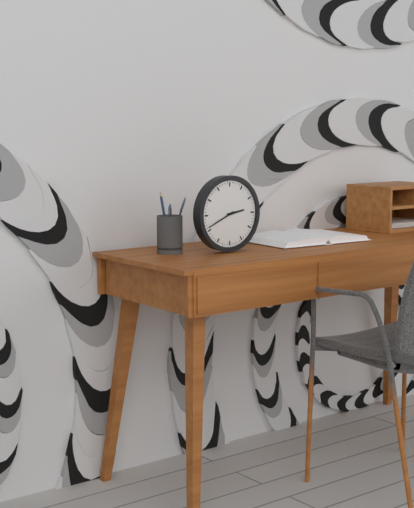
2h41
